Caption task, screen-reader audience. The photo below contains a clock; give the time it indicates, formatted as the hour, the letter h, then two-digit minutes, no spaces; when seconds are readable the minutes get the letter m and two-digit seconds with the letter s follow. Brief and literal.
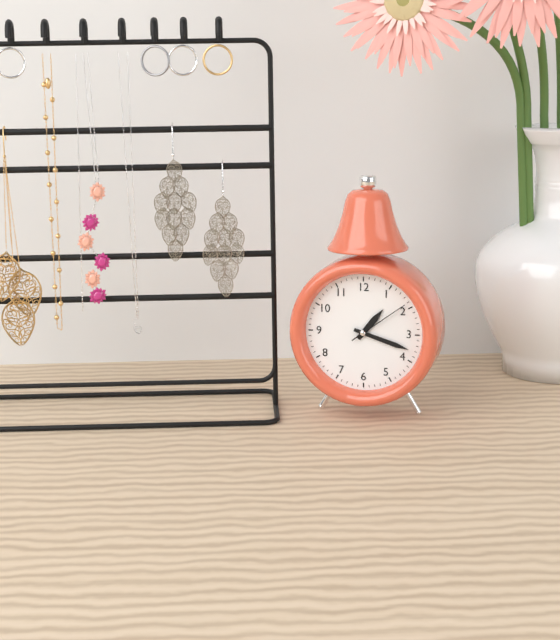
1h18m09s
